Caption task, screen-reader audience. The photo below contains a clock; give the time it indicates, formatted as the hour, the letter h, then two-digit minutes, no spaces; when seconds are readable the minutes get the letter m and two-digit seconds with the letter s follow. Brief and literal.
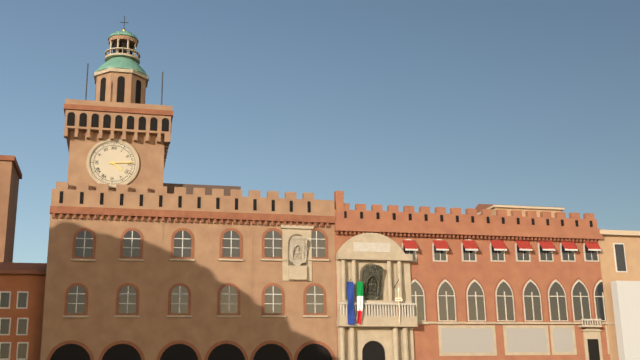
4h14
